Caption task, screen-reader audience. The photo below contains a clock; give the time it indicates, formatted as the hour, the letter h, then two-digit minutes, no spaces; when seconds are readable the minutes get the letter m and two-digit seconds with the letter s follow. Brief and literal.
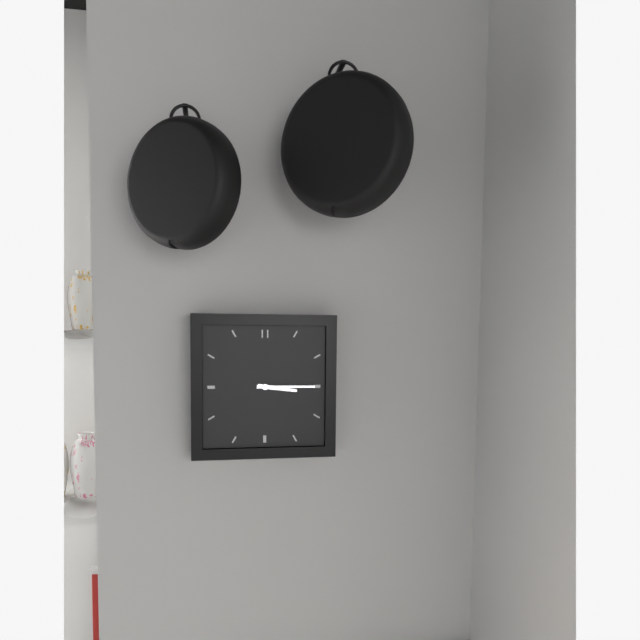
3h15
